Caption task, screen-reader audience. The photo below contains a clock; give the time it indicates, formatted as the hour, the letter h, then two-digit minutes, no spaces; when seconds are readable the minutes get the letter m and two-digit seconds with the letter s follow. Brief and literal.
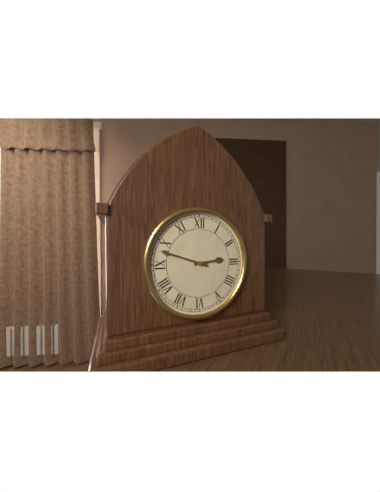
2h48
